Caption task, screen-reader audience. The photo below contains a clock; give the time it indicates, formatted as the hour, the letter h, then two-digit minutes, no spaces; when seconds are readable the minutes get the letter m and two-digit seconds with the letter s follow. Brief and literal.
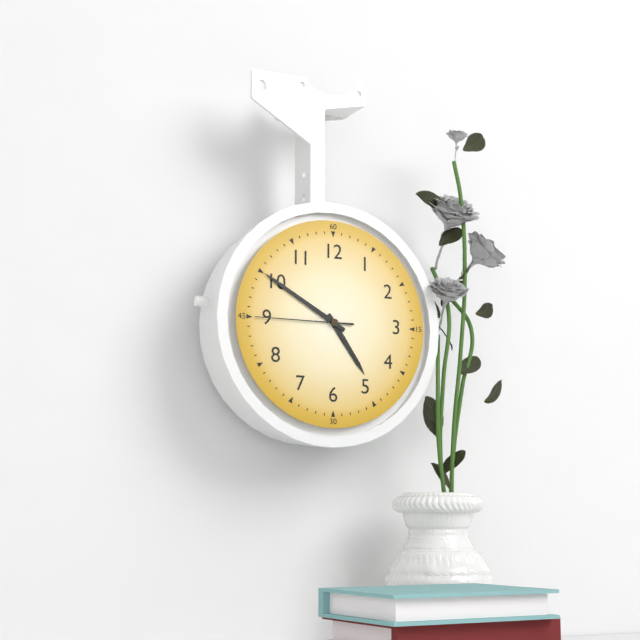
4h50m45s
